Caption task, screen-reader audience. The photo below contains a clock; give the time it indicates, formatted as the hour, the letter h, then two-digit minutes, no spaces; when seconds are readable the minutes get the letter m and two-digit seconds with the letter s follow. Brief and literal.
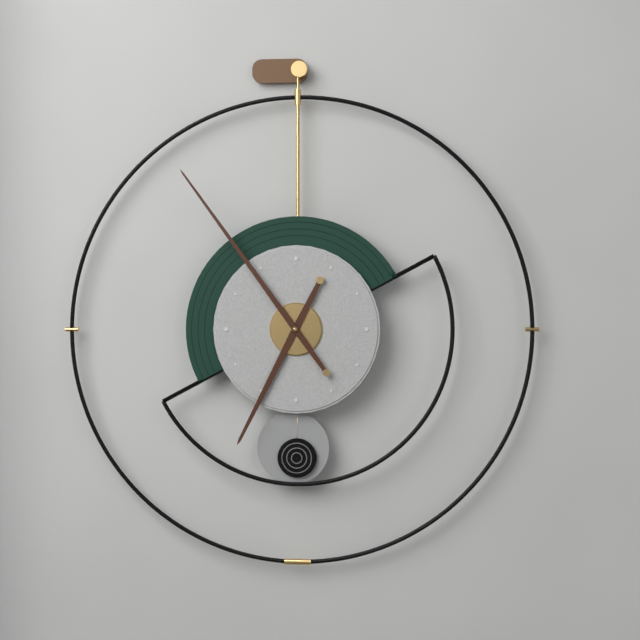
6h54
